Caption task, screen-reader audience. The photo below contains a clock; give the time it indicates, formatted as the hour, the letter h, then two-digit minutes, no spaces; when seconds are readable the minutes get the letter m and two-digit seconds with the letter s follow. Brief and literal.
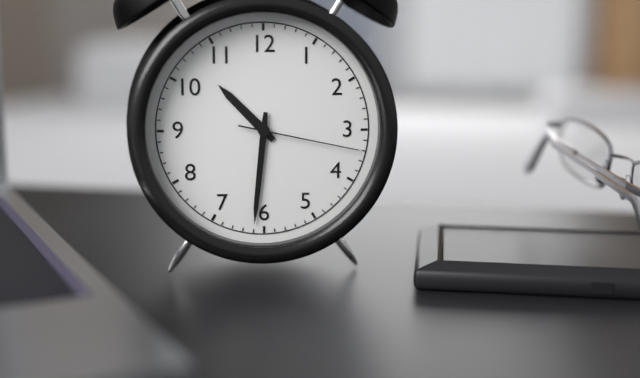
10h31m17s
